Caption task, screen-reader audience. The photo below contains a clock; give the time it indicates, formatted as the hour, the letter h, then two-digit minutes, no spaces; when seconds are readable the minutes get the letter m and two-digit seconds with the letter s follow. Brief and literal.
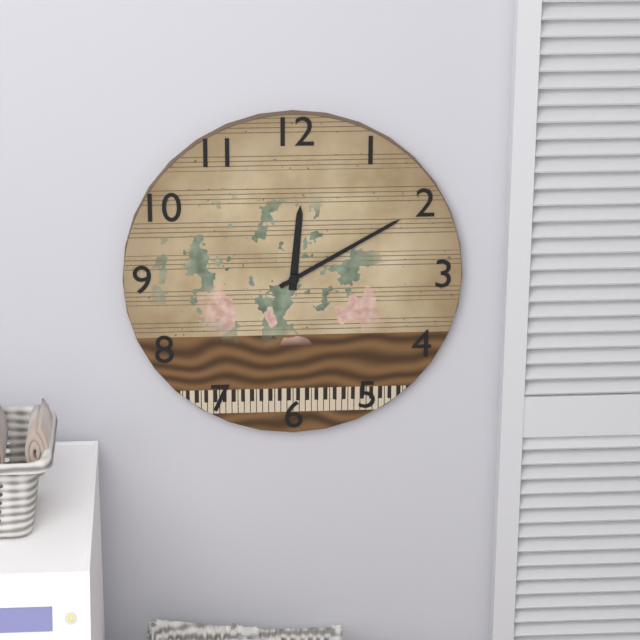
12h10
